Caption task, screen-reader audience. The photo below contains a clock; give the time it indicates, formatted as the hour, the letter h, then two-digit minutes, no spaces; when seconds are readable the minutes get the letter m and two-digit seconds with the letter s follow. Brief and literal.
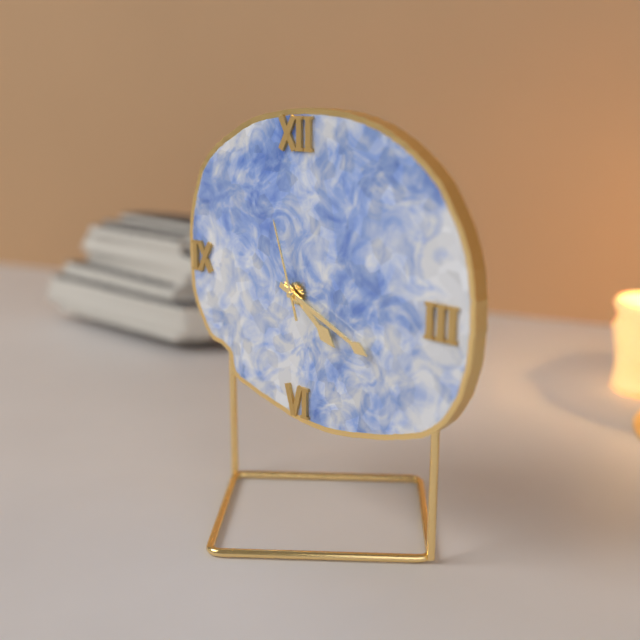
4h19m57s
